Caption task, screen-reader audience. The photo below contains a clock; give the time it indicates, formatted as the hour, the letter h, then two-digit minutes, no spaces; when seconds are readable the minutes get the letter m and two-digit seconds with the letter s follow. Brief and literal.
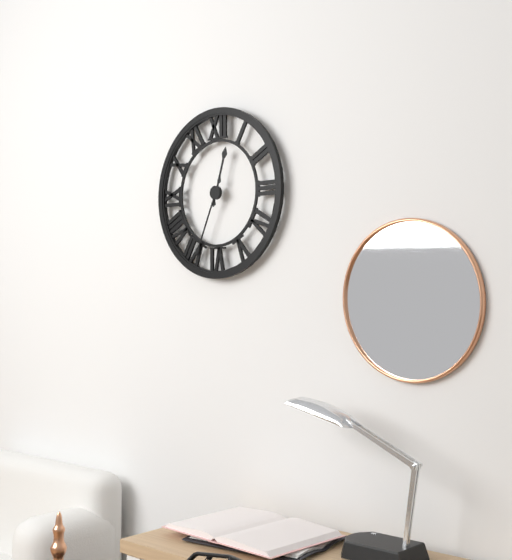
12h34
